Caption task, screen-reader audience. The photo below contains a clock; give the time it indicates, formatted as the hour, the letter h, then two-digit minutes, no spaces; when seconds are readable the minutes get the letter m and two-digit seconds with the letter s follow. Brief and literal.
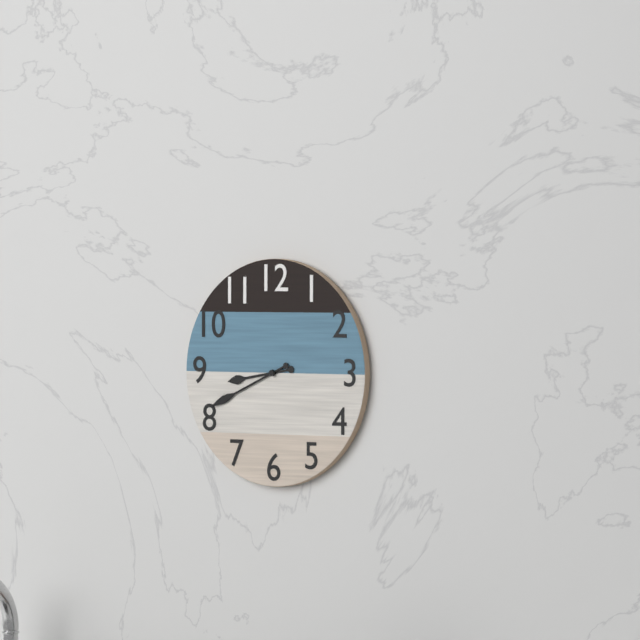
8h41
